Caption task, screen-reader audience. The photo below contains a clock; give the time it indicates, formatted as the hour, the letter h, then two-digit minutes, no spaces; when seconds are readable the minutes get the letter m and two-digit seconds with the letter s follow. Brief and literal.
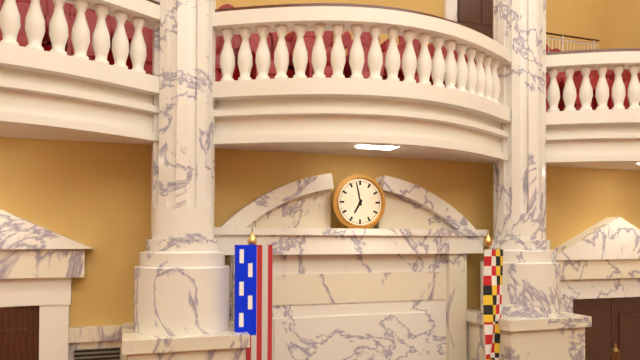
6h58
